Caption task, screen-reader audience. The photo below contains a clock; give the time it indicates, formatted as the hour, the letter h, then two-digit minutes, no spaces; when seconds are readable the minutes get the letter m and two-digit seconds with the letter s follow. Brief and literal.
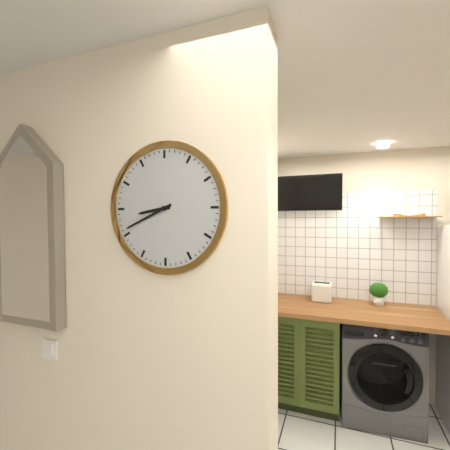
8h41
